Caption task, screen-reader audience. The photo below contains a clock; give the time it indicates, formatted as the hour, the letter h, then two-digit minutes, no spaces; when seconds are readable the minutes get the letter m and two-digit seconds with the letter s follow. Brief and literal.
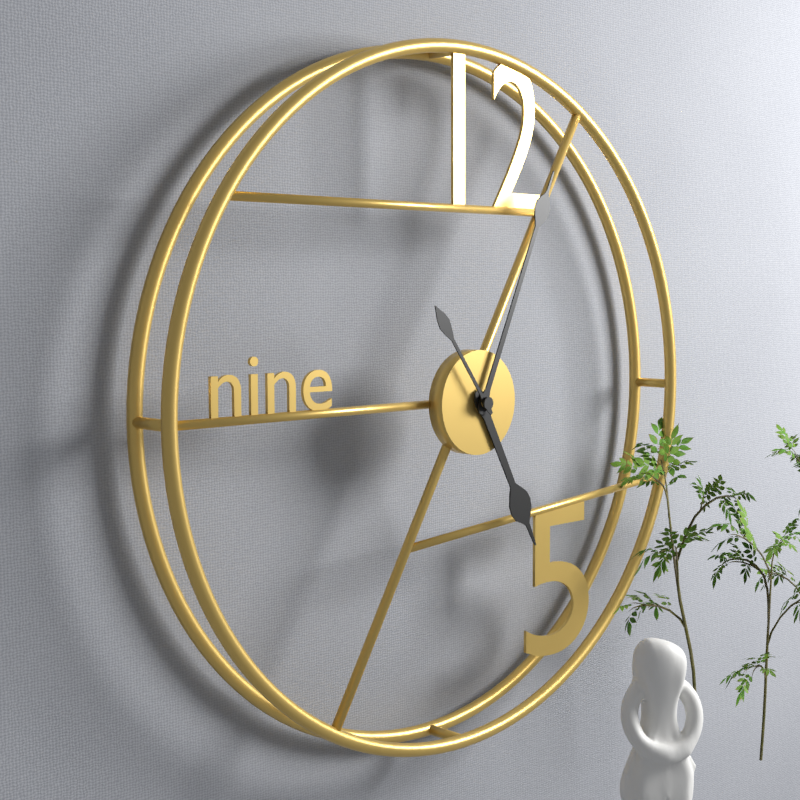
5h04m54s
